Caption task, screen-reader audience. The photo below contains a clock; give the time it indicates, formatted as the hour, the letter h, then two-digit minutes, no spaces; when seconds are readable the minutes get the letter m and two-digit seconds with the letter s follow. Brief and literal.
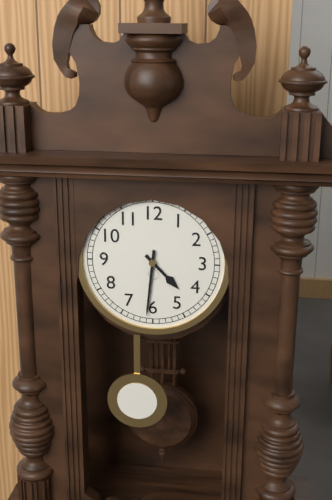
4h31
